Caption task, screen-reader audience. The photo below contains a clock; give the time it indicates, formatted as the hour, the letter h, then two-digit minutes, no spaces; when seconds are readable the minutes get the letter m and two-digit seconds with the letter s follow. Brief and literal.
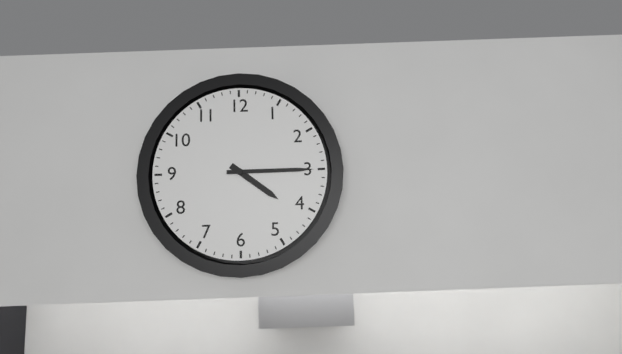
4h15
